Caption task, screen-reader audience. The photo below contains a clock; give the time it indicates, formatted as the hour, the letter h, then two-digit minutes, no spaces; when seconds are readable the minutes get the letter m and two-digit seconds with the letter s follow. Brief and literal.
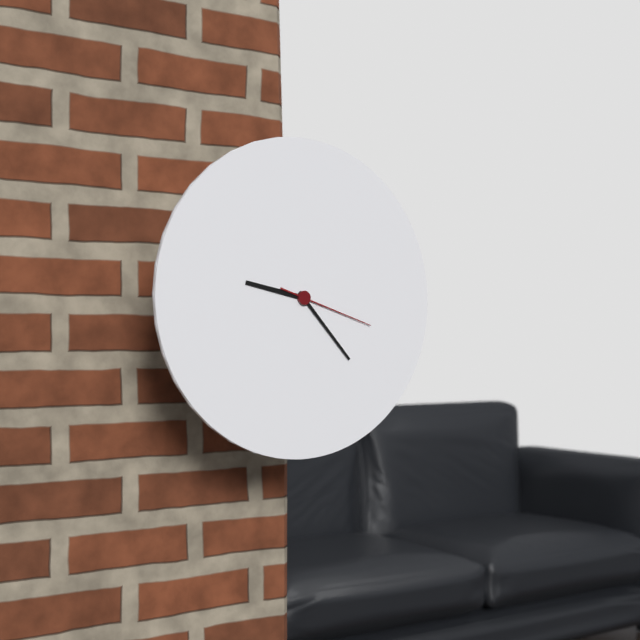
9h23m18s
